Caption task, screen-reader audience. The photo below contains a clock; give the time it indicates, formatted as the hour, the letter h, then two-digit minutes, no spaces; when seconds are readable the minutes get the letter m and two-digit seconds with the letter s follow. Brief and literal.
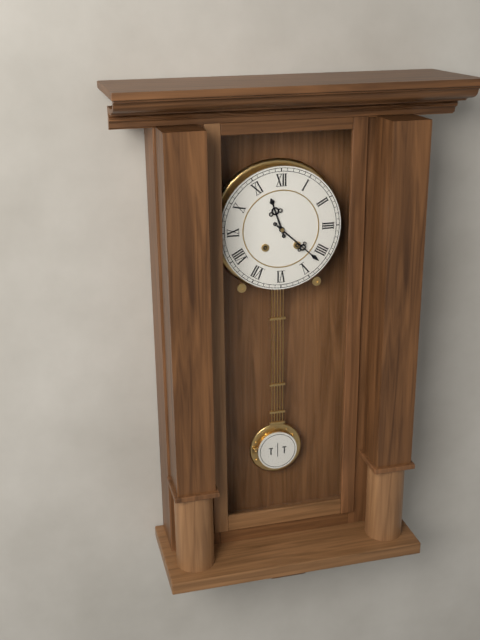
11h22
